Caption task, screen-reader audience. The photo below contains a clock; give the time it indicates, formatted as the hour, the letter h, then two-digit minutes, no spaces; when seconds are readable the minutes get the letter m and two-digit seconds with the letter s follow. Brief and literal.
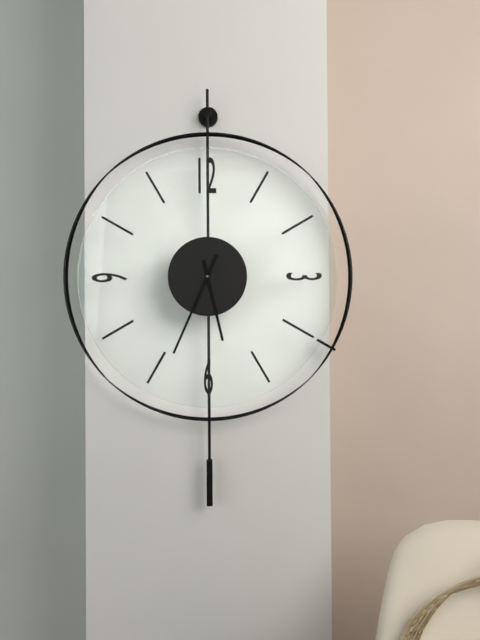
5h34
